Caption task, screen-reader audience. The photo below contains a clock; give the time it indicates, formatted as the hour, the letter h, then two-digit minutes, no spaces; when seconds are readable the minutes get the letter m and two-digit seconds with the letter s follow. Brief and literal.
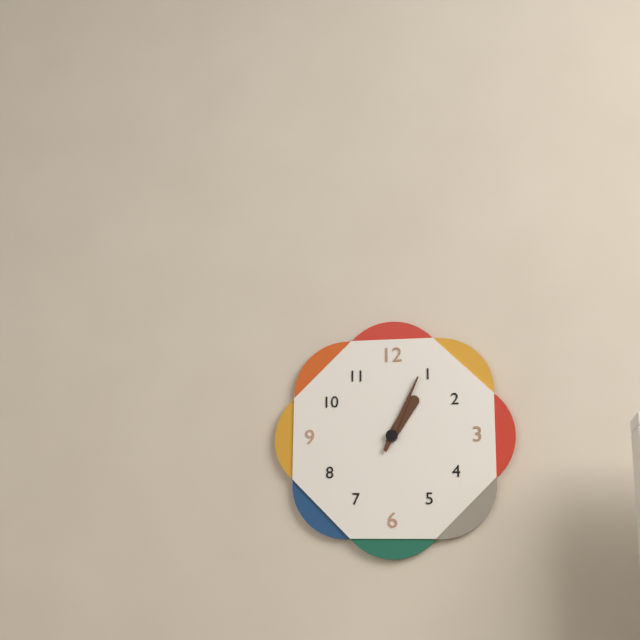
1h04
